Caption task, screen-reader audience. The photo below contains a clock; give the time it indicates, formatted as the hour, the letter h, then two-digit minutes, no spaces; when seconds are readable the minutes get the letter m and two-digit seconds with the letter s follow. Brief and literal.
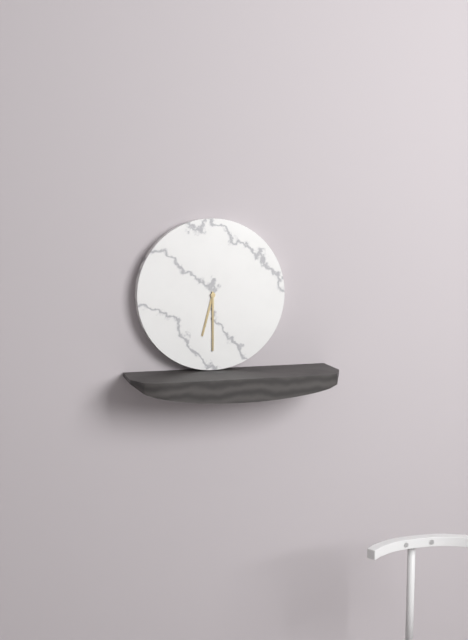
6h30
